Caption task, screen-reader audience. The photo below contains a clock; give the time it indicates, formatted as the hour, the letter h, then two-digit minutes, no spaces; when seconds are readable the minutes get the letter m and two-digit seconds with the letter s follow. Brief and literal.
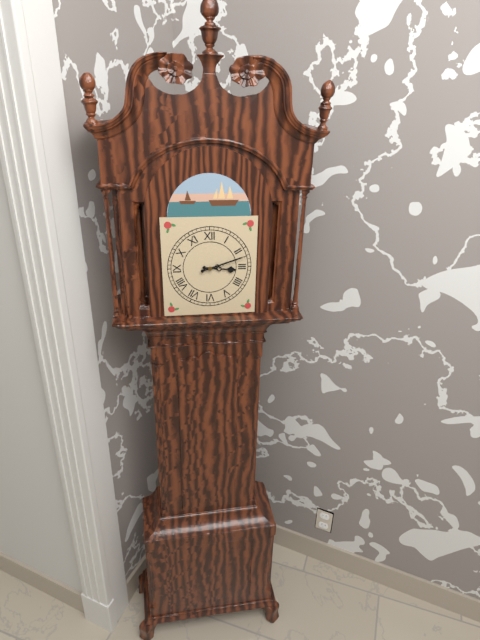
3h12
